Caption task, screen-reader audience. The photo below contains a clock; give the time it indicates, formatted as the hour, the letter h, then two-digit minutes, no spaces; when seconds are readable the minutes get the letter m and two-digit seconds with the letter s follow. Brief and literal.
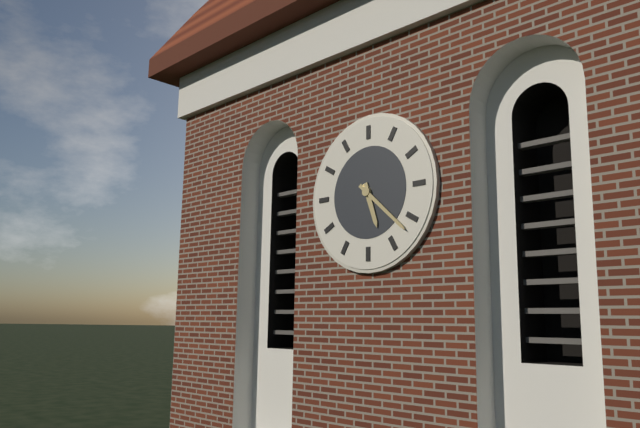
5h22
